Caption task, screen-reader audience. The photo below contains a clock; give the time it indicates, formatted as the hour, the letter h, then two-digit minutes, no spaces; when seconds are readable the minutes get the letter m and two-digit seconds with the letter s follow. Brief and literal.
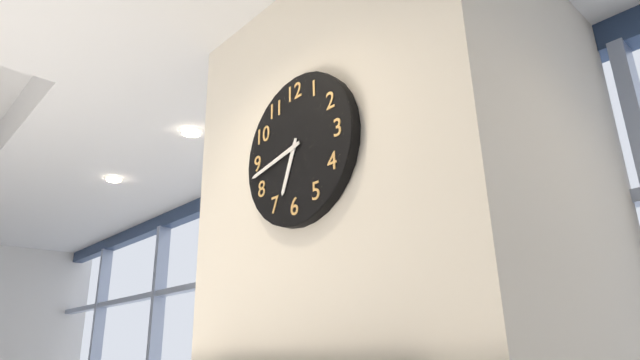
6h43
